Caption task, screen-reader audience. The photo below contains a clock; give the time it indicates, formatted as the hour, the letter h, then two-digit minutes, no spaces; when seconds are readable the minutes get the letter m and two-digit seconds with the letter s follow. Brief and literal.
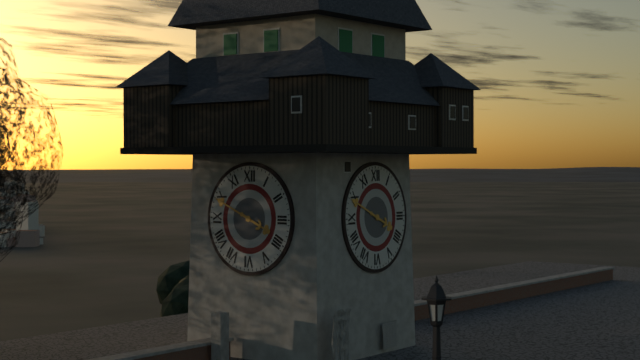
3h49
